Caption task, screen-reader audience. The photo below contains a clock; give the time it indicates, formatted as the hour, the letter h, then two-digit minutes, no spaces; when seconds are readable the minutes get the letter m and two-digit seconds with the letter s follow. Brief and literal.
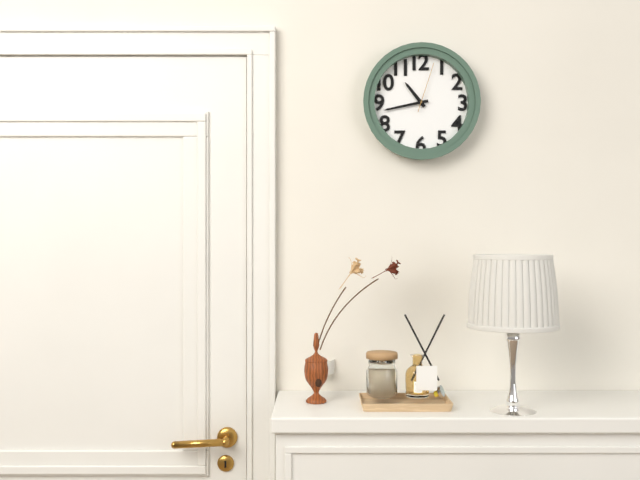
10h43m03s
